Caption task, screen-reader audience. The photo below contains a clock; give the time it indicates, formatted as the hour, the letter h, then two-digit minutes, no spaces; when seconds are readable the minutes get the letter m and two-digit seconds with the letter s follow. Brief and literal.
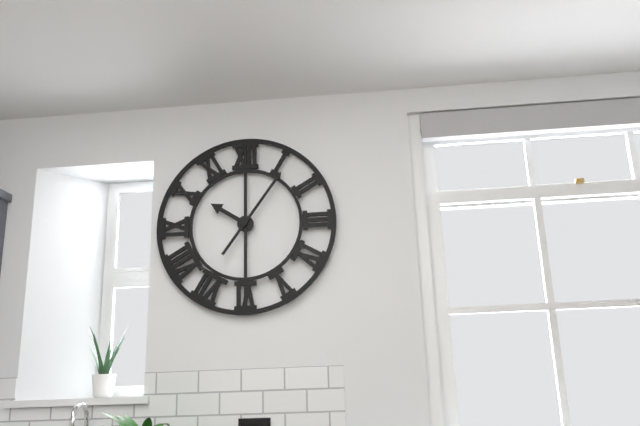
10h06
